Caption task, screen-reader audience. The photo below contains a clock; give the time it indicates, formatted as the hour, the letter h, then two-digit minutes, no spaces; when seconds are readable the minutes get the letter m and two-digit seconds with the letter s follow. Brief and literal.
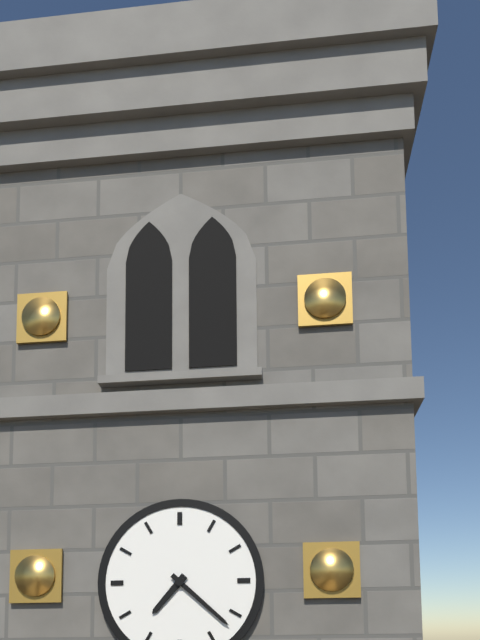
7h22
